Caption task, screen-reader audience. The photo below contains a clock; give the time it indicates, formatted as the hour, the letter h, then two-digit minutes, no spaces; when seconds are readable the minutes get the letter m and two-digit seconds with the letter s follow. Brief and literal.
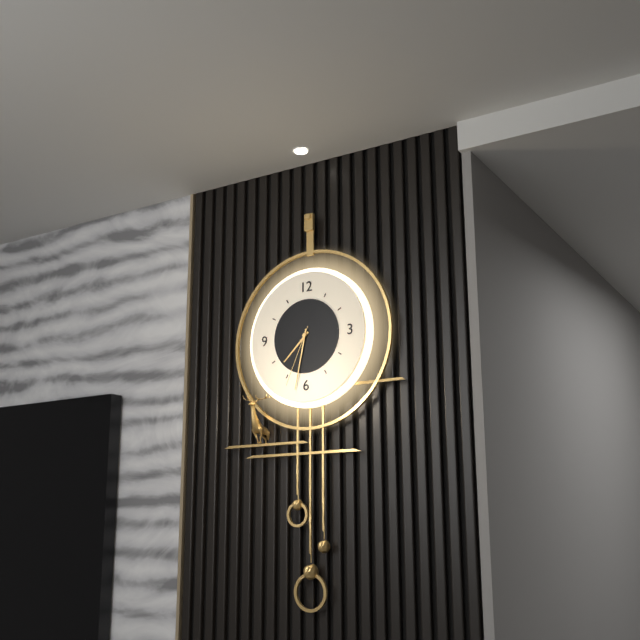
7h32m34s
